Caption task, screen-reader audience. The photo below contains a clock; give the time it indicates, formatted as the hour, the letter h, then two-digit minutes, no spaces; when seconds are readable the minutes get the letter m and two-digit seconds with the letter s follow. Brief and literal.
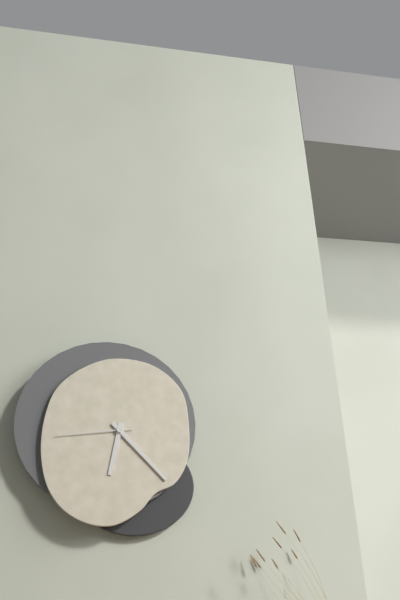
6h23m44s
